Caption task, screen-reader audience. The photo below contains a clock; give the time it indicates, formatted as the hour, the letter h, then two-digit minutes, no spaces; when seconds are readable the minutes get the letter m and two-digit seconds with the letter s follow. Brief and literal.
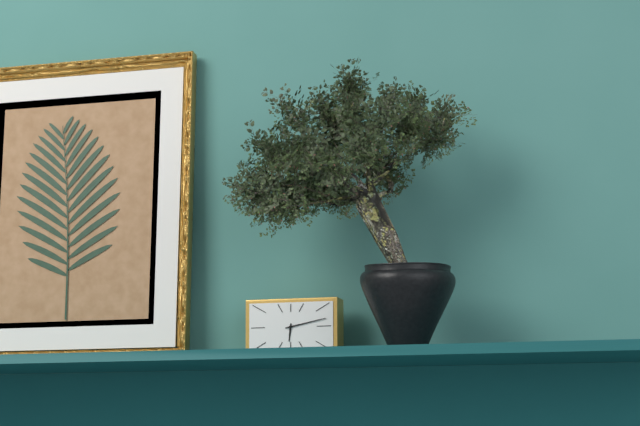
6h13
